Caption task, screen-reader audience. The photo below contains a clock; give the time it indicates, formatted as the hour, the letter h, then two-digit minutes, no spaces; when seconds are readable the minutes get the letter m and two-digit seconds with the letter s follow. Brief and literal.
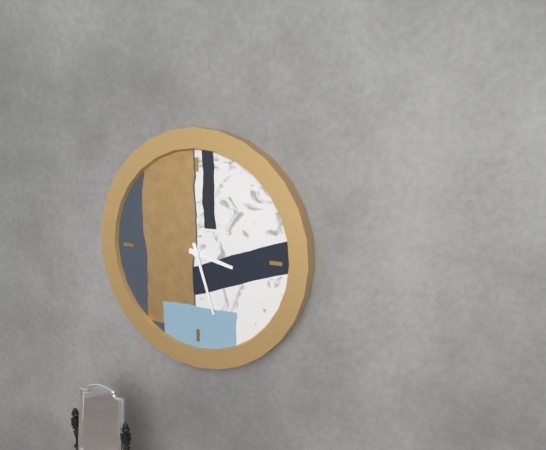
3h27
